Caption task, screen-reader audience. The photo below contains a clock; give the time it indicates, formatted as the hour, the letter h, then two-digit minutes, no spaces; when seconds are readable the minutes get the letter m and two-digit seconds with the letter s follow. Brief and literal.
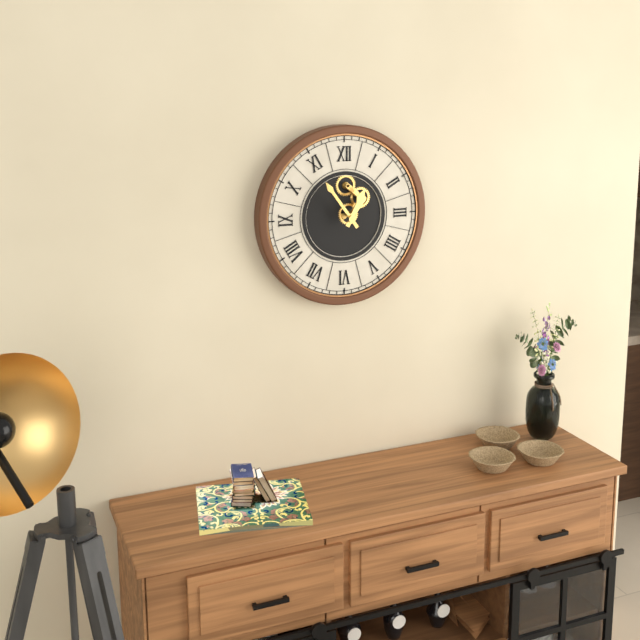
12h54
